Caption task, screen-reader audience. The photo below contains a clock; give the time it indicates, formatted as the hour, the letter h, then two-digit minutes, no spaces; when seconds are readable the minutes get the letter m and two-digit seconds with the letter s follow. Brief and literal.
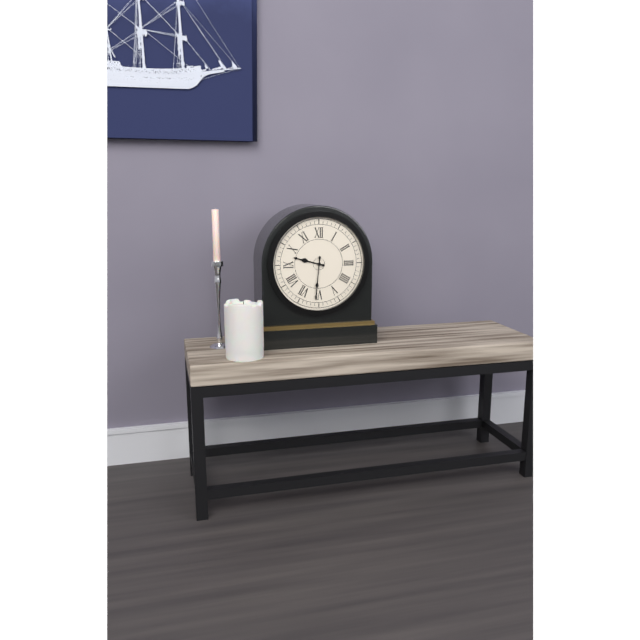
9h31
